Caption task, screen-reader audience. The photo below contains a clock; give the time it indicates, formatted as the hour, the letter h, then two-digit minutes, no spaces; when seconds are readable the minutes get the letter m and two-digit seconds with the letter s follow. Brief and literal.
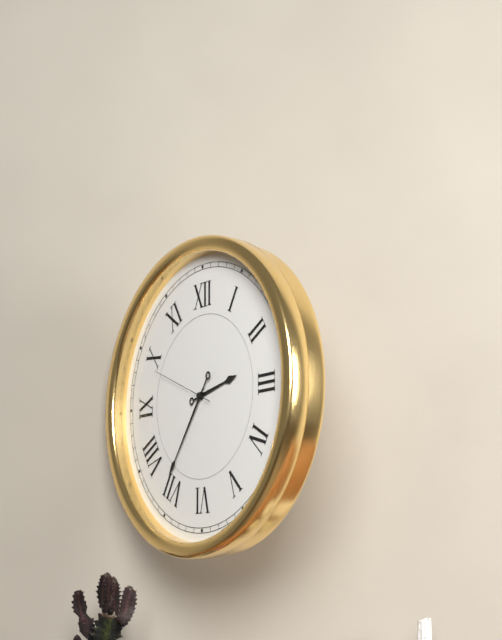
2h36m49s
